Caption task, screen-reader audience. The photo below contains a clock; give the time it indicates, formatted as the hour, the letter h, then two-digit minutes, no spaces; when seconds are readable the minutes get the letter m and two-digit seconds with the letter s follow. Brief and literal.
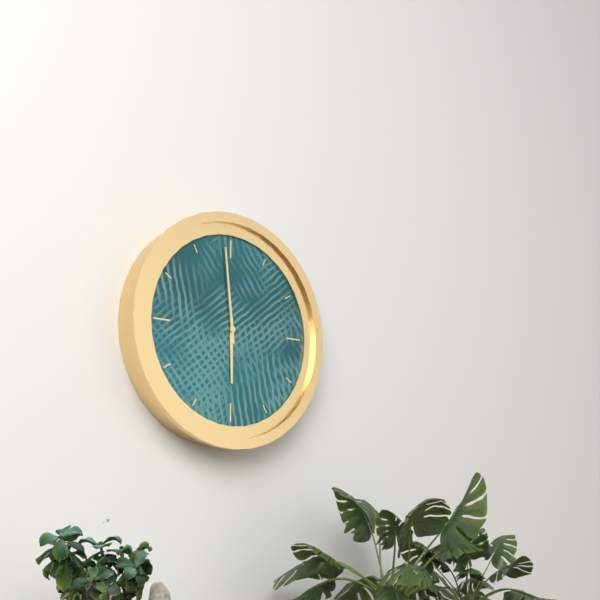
5h59
